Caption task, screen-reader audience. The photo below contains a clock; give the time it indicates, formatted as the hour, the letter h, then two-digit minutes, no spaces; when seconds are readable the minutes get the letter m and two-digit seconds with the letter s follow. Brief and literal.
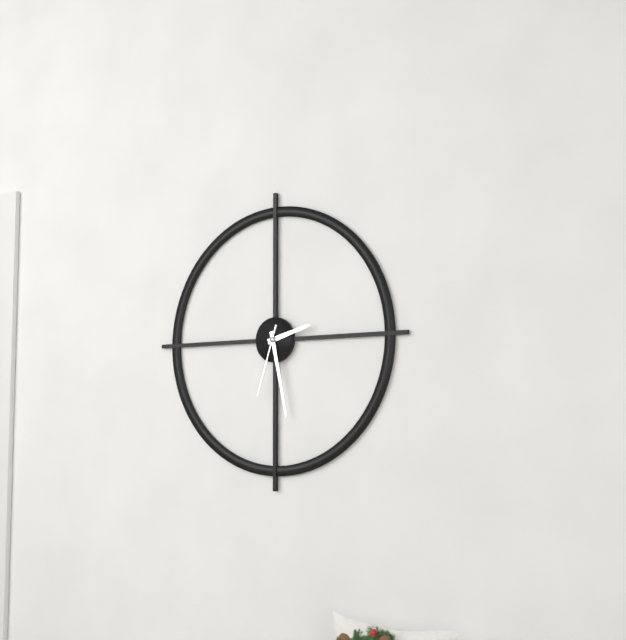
2h28m33s
